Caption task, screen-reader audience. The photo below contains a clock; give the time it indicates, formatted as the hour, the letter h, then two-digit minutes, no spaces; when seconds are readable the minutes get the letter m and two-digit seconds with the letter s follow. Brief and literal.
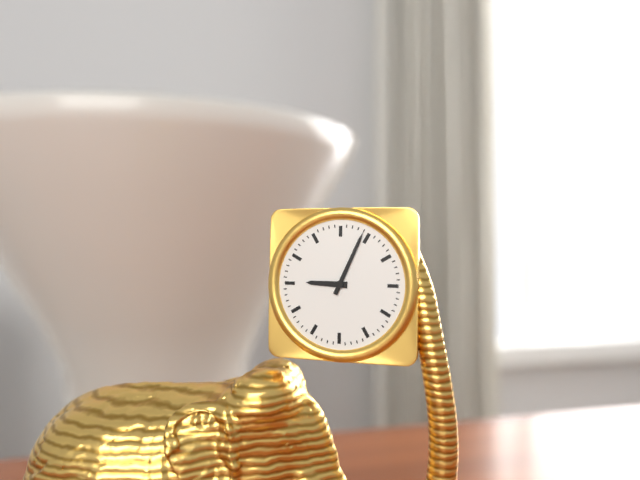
9h04
